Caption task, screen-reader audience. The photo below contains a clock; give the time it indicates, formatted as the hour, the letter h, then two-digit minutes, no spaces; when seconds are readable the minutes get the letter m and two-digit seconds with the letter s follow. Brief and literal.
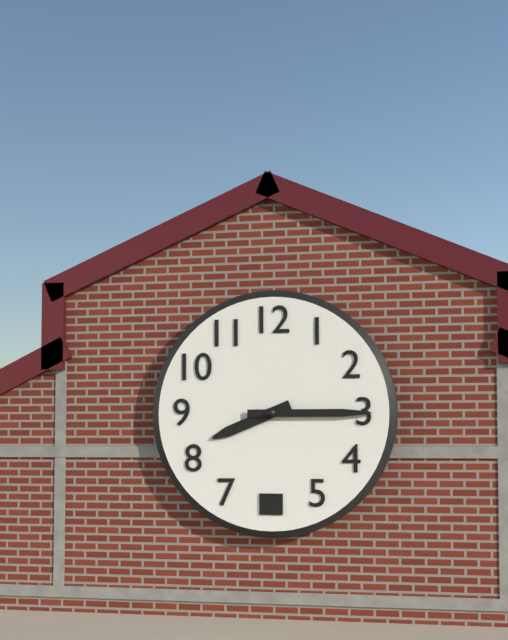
8h15
